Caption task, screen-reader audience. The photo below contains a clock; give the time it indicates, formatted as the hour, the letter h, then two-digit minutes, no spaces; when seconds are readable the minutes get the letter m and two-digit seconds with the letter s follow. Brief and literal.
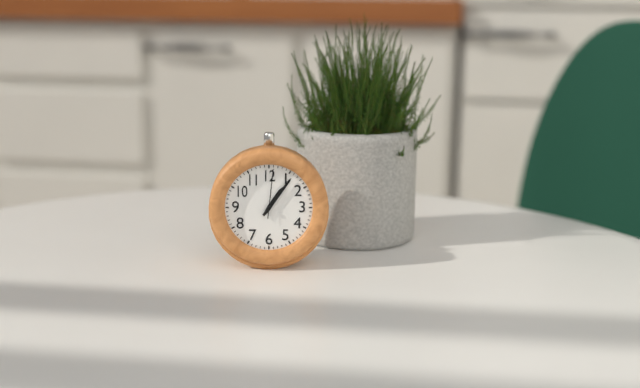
1h06
